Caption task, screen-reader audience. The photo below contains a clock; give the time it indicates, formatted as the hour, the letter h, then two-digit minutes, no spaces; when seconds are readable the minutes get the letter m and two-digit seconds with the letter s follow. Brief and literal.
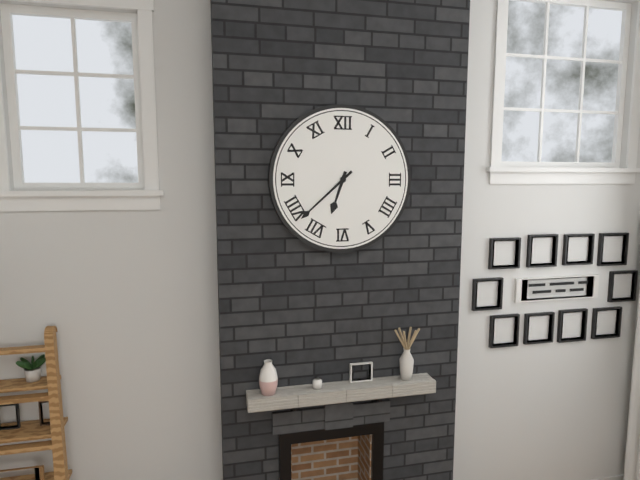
6h38
